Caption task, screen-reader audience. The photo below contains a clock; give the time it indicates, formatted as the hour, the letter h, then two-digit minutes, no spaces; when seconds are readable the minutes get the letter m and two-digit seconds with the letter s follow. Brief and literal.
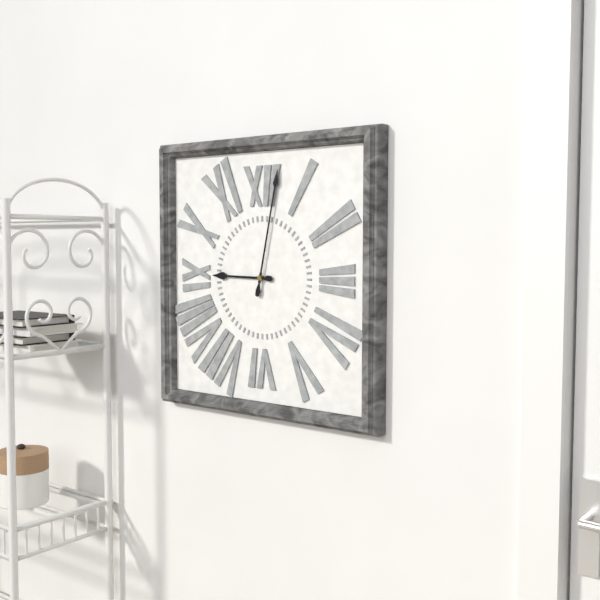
9h02
